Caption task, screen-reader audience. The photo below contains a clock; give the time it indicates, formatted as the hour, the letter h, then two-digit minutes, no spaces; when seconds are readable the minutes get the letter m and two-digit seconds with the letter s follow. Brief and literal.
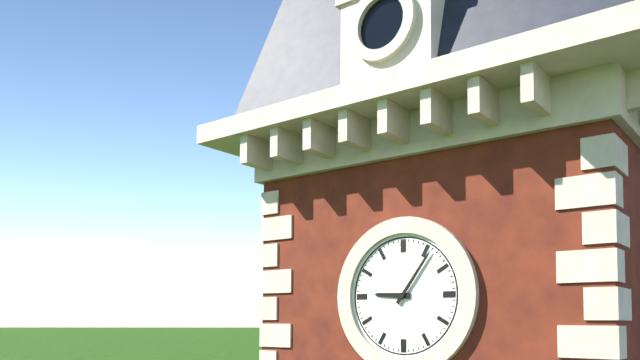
9h06
